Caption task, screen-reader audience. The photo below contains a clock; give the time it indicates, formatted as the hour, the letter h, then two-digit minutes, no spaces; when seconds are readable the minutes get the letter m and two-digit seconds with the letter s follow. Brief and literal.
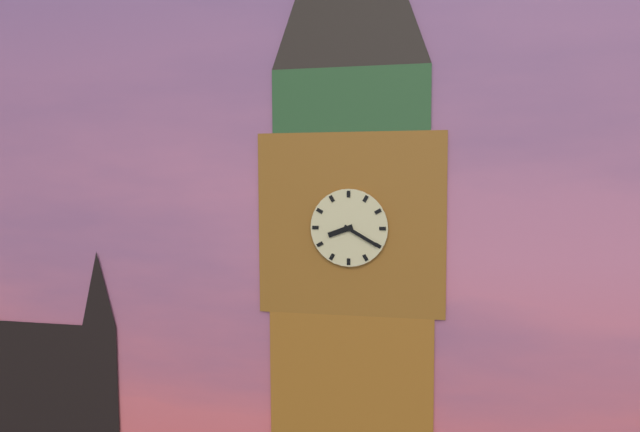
8h20
